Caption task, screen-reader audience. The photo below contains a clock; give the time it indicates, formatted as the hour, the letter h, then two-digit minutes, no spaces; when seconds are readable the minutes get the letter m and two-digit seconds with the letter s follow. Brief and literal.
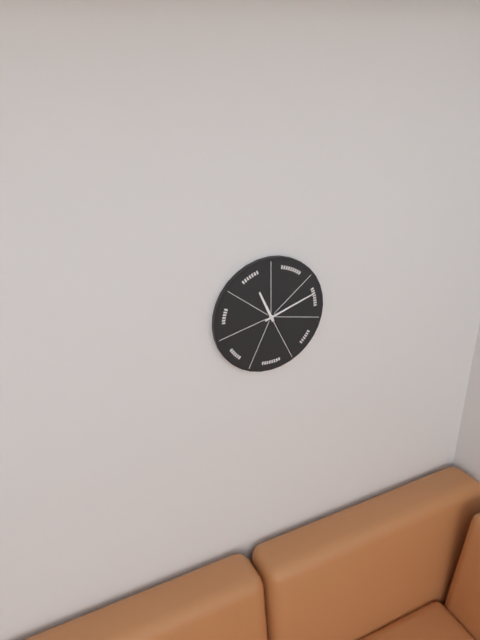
11h12
